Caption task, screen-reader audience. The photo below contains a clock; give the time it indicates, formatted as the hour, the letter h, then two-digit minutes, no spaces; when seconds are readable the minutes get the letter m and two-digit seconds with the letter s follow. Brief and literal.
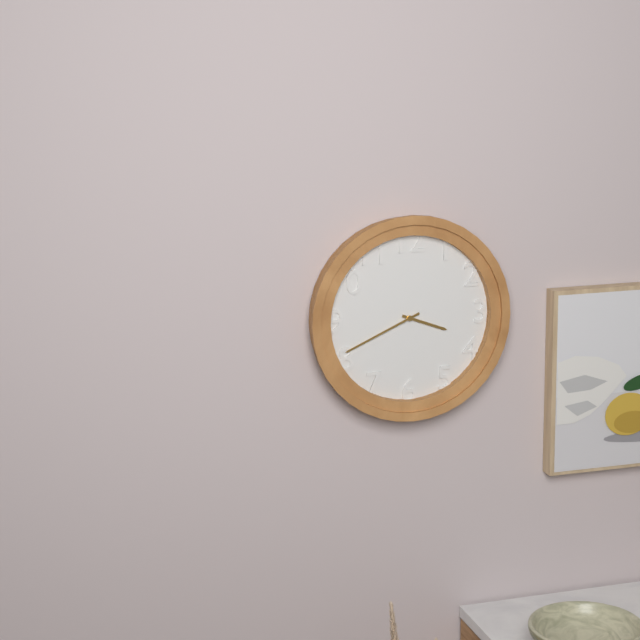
3h41
